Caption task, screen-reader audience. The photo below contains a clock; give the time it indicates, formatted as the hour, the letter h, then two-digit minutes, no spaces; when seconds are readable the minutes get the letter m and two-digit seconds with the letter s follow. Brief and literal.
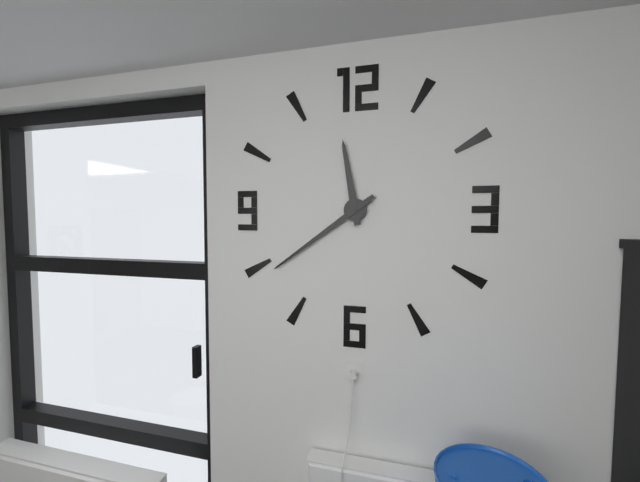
11h39
